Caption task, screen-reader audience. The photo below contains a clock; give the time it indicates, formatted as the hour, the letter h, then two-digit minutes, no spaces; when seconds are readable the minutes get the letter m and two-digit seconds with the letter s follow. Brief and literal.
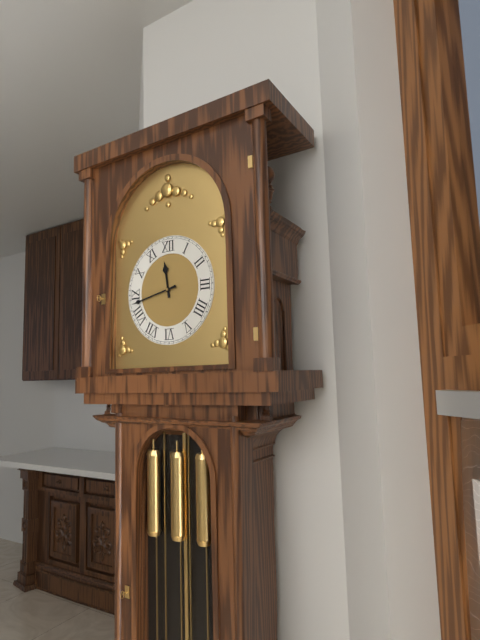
11h43
